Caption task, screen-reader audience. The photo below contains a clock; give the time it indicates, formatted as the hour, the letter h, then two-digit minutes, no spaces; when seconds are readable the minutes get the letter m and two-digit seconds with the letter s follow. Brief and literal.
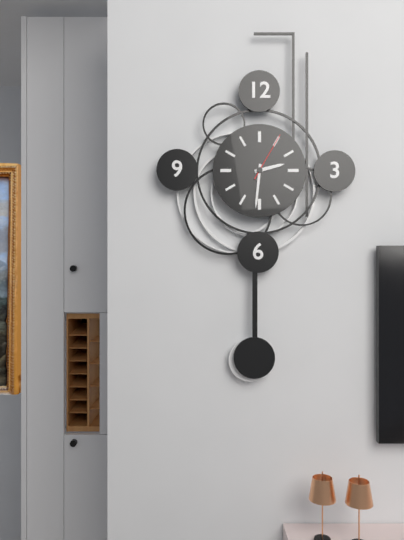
2h31m05s
